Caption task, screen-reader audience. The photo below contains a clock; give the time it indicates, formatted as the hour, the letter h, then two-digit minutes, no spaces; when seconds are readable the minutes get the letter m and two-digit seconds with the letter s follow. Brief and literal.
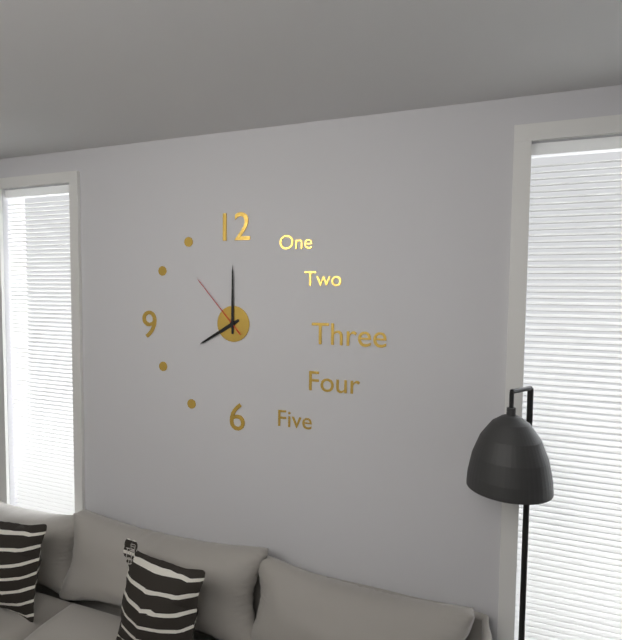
8h00m53s
